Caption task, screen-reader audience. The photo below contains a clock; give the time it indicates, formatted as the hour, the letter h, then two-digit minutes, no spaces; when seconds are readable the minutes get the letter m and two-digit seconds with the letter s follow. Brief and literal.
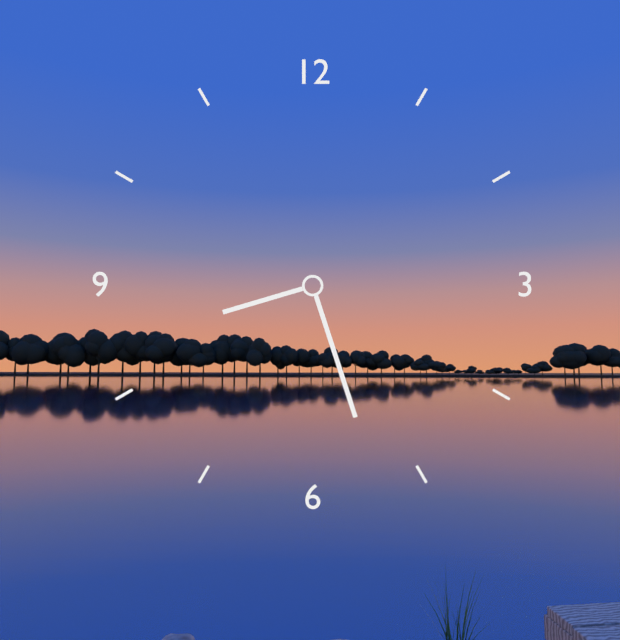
8h27
